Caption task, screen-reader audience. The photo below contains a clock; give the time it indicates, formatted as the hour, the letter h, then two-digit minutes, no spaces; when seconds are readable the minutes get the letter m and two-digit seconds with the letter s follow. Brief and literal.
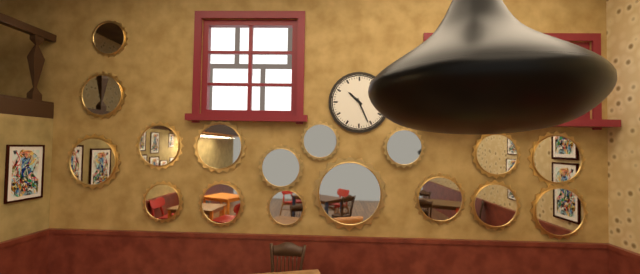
10h26
